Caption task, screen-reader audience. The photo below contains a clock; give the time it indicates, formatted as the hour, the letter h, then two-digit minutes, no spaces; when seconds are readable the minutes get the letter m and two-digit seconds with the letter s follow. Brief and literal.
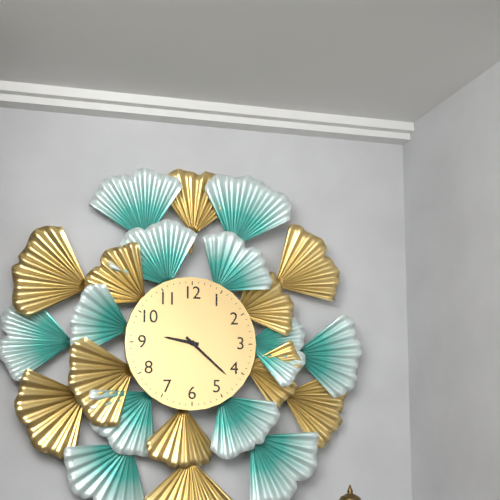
9h22
